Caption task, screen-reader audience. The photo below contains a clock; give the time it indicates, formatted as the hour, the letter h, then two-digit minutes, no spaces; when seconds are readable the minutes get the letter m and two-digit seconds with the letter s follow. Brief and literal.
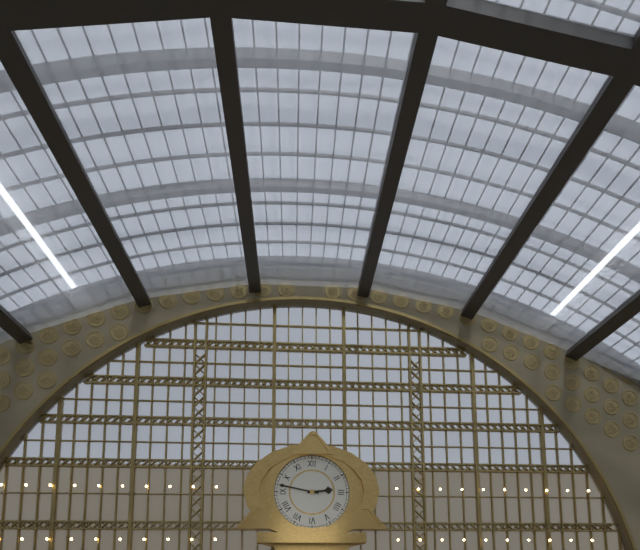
2h47
